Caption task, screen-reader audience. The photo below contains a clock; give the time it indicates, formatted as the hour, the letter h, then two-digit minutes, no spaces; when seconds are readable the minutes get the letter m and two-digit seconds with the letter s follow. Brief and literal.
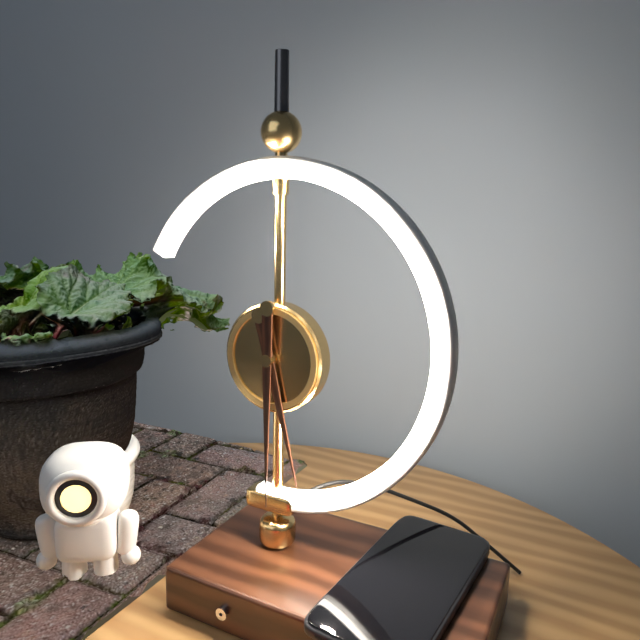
5h30
